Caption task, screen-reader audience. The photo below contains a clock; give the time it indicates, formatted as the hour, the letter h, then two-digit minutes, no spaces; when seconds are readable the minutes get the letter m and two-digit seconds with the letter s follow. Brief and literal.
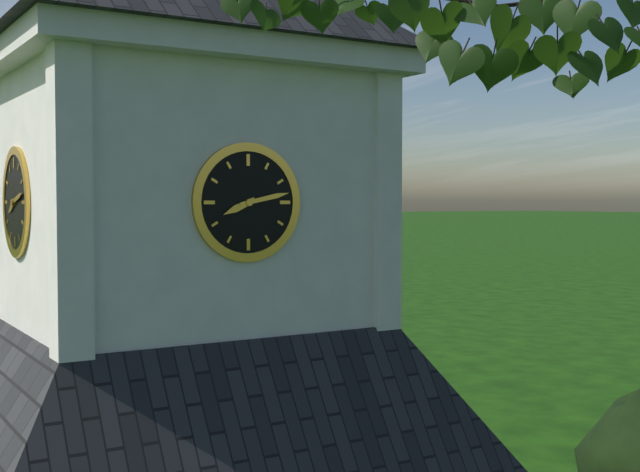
8h13
